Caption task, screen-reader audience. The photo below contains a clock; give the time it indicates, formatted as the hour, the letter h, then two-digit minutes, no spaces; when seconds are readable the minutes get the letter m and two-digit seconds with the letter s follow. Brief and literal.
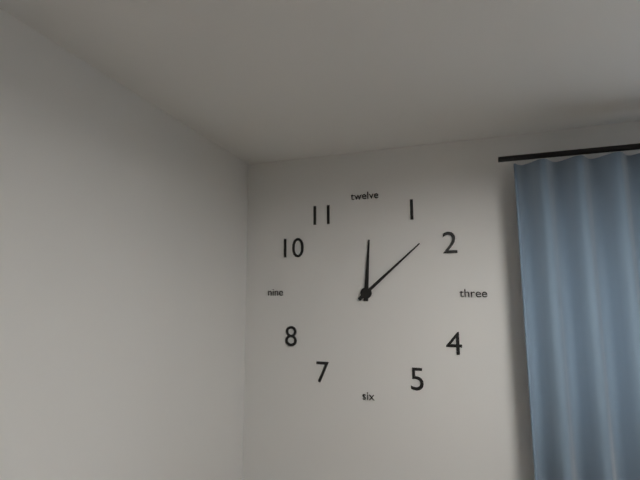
12h08
